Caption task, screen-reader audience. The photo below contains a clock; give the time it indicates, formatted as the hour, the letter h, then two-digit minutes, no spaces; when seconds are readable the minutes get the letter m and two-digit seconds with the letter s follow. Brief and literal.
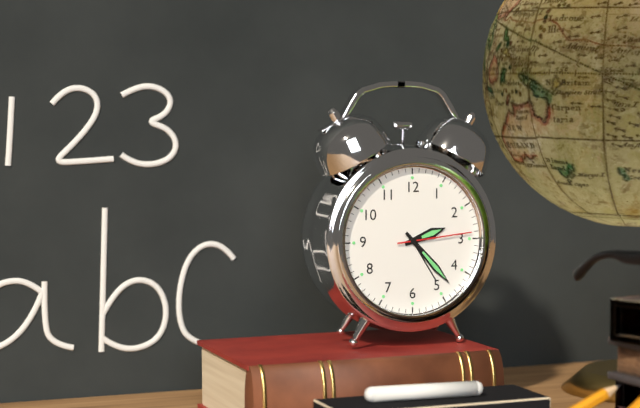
2h23m14s
